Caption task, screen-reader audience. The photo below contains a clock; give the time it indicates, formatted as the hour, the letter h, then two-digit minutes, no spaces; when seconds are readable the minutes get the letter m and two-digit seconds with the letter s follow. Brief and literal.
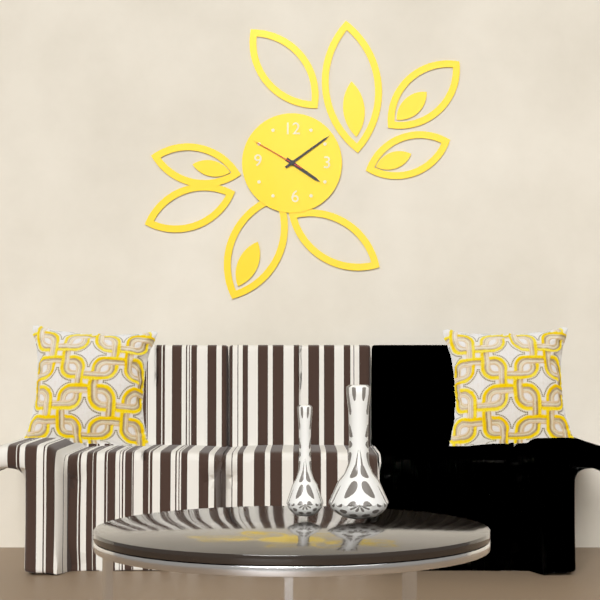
4h09m50s
